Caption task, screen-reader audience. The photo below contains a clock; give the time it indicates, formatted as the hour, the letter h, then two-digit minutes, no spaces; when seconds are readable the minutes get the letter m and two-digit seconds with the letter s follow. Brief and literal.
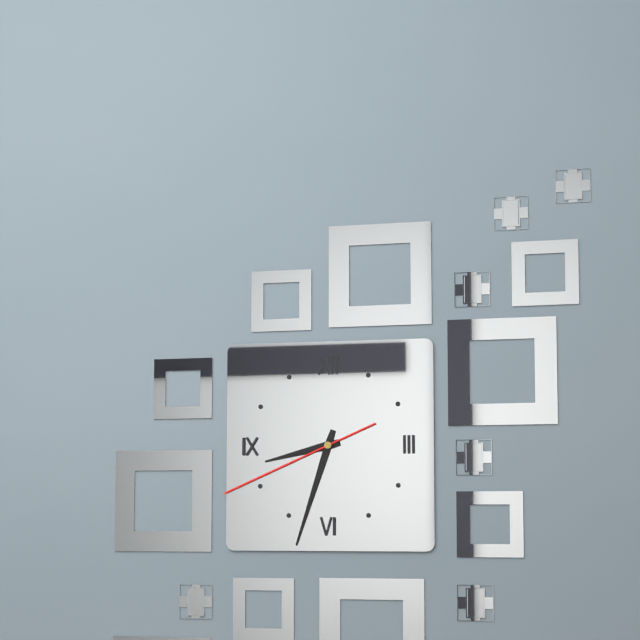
8h33m41s
